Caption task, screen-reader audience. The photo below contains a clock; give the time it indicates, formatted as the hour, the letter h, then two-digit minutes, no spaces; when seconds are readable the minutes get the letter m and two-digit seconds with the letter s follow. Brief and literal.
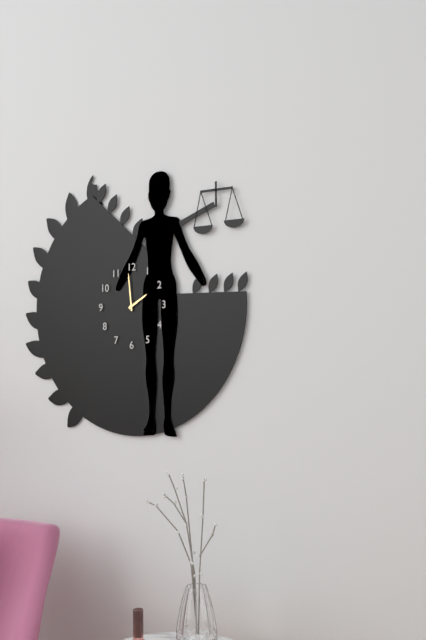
1h59
